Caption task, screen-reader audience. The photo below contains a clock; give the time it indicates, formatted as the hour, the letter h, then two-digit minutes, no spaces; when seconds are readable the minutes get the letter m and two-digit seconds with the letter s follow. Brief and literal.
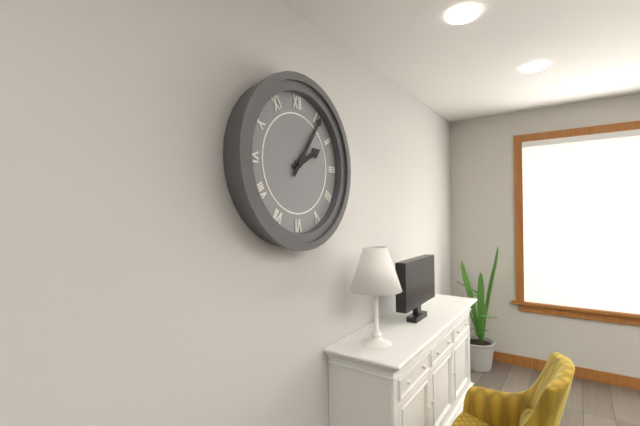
2h06
